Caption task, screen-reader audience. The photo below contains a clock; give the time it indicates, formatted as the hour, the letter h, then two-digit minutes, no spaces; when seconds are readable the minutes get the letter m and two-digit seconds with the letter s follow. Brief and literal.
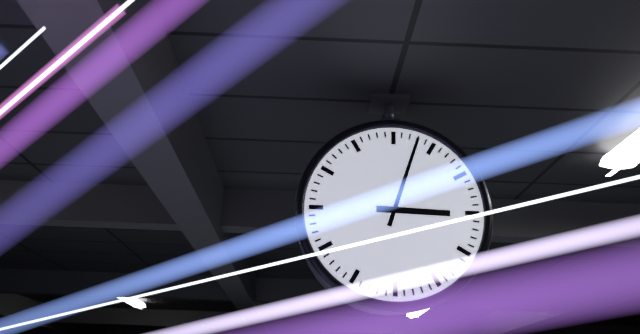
3h03
